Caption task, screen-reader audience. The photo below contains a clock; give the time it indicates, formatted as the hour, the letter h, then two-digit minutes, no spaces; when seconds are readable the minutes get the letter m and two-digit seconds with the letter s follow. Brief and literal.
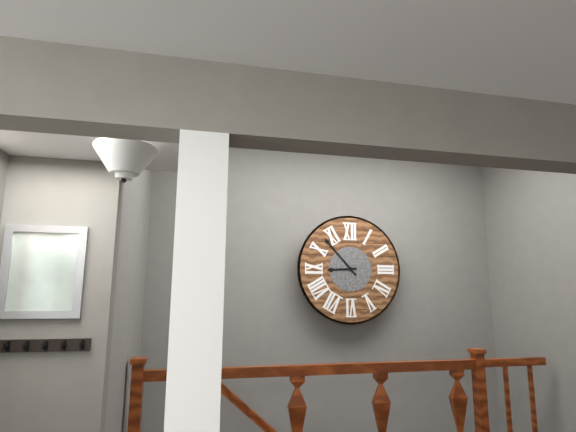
8h53
